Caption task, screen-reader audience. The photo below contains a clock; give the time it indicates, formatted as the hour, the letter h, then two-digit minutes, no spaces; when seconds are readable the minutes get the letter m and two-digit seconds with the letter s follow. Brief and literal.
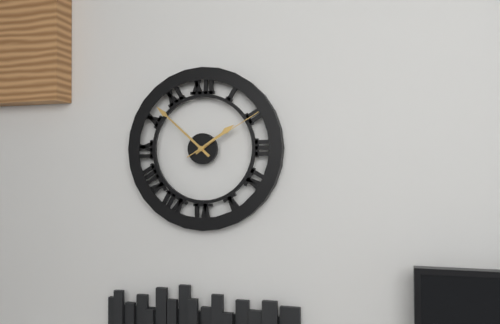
1h52m10s
